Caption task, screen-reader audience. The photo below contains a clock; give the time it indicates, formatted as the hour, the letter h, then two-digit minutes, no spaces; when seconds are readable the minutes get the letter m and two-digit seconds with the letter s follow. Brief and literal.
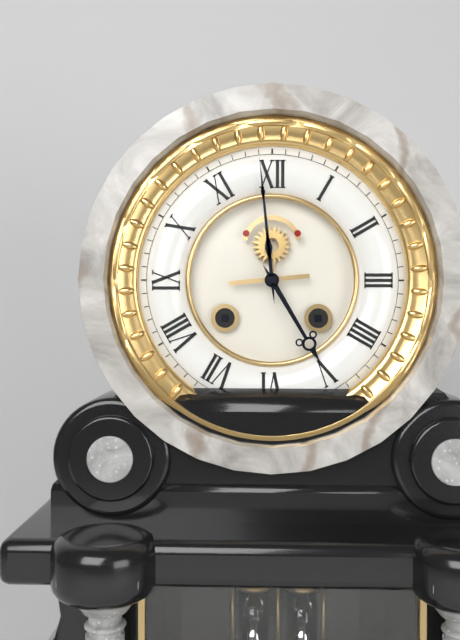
4h59
